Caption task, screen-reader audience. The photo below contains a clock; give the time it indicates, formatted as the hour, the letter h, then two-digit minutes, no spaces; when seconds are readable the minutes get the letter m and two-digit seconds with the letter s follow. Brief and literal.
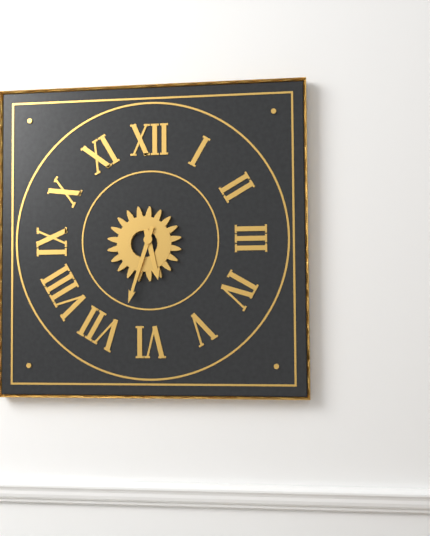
5h33
